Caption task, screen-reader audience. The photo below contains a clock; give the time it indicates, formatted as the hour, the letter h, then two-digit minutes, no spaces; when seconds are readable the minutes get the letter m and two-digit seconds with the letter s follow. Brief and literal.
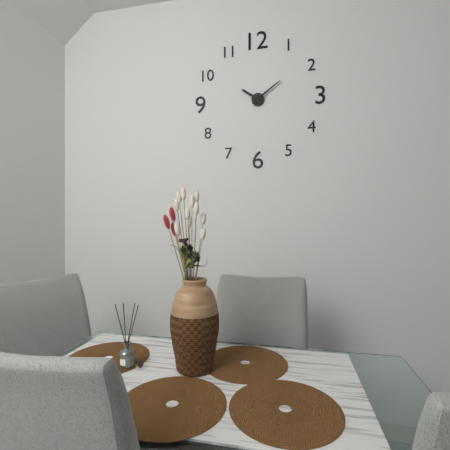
10h09
